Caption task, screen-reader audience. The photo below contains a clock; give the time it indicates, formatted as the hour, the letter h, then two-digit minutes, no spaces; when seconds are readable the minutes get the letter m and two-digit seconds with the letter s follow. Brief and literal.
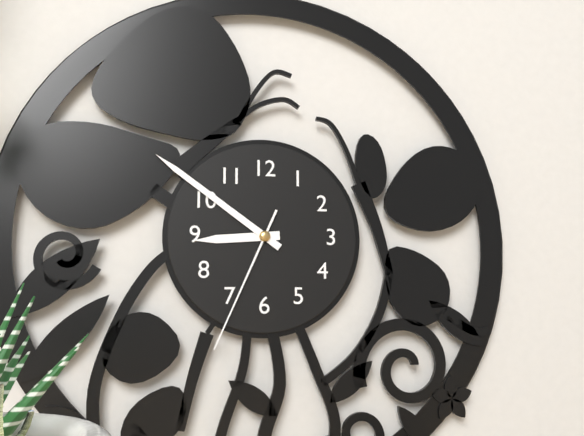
8h51m34s
